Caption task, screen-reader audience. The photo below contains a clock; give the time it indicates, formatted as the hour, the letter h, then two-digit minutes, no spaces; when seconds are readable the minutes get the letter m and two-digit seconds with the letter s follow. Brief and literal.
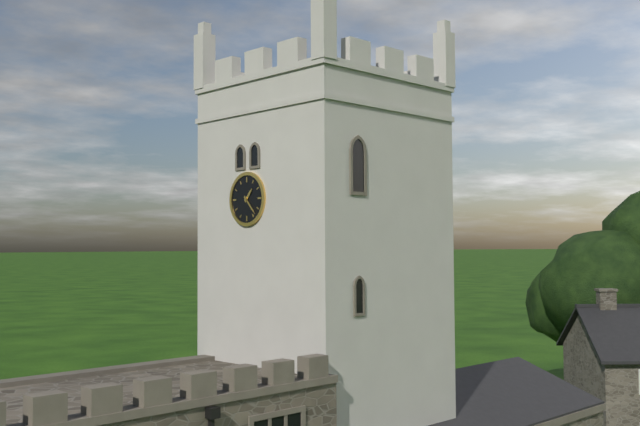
1h23
